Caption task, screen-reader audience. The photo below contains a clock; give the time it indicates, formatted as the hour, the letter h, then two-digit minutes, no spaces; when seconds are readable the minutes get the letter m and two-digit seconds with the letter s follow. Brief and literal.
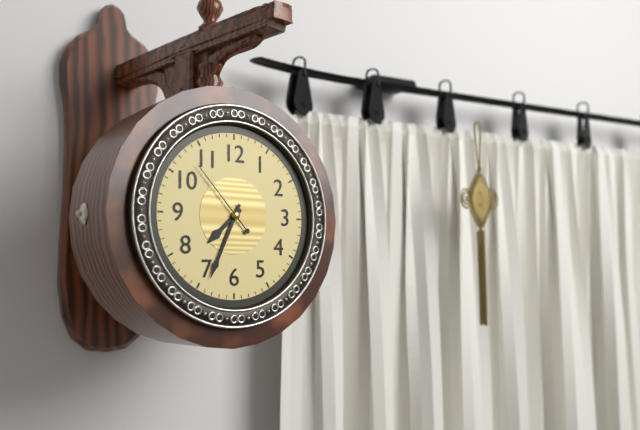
7h34m53s
